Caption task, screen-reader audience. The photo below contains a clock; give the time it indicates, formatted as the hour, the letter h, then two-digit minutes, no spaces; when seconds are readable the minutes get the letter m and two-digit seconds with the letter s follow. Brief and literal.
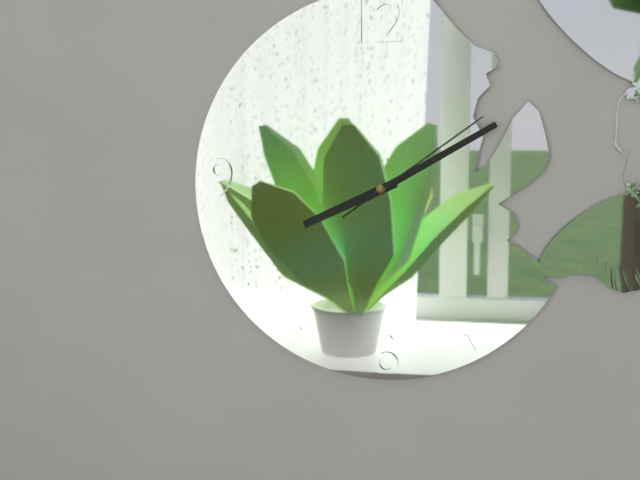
8h10m09s
